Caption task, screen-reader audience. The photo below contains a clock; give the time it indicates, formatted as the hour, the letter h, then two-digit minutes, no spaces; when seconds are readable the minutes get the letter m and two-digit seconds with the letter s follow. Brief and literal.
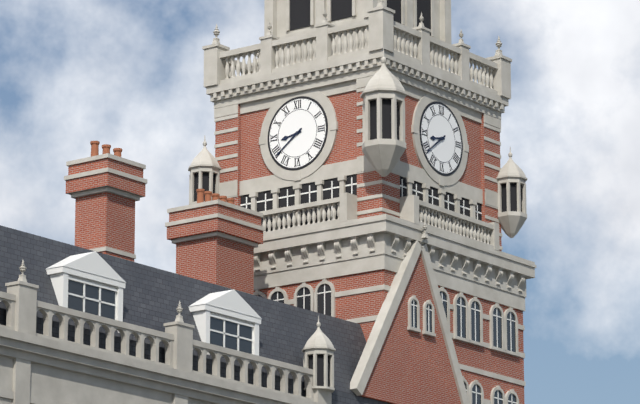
8h39
